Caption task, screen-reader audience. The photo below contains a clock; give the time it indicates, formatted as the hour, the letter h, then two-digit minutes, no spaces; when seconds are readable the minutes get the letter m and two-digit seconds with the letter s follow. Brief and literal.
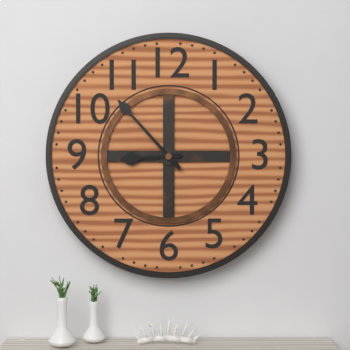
8h53
